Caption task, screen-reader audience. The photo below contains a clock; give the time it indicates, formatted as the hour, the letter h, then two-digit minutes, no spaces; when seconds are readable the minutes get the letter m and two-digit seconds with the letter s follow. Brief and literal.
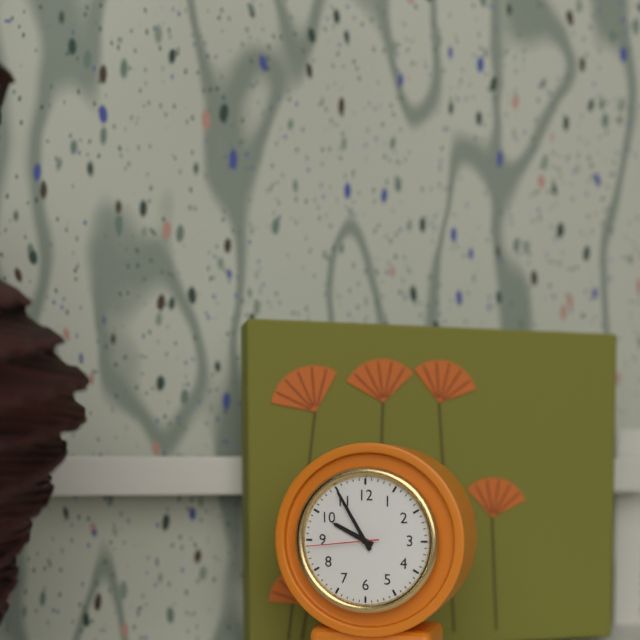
9h55m44s
